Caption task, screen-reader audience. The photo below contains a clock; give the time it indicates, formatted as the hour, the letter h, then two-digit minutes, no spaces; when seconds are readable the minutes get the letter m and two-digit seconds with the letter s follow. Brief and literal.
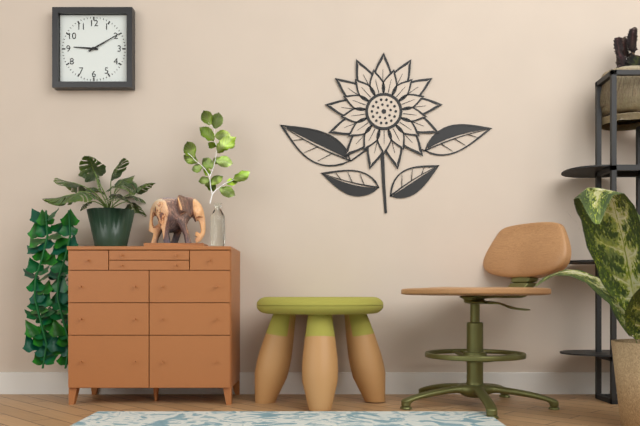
9h10
